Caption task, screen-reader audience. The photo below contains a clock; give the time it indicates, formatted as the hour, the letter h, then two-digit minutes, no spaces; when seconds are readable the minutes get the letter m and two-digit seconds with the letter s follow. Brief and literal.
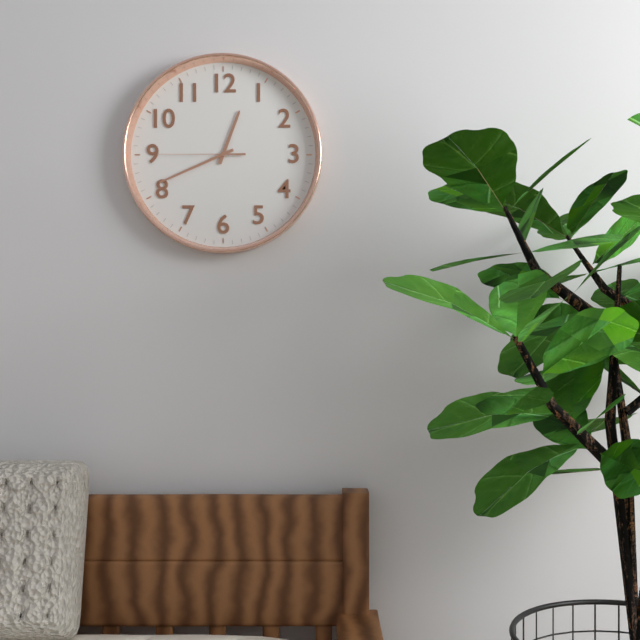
12h41m45s
